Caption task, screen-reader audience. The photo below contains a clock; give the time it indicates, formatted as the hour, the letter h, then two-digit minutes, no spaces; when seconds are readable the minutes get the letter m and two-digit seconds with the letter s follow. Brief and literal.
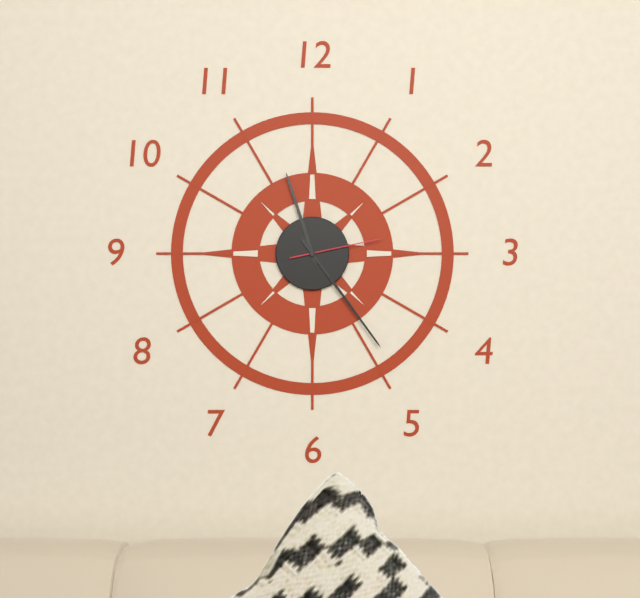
11h24m13s
